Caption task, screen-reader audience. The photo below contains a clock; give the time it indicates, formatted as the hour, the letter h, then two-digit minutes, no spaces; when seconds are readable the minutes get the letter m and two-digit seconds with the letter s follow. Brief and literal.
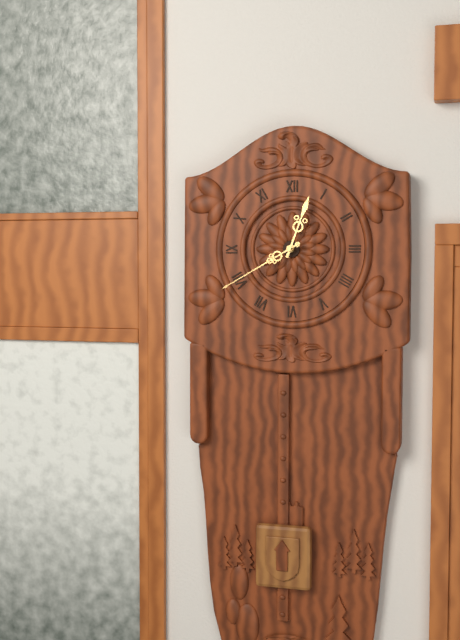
12h40
